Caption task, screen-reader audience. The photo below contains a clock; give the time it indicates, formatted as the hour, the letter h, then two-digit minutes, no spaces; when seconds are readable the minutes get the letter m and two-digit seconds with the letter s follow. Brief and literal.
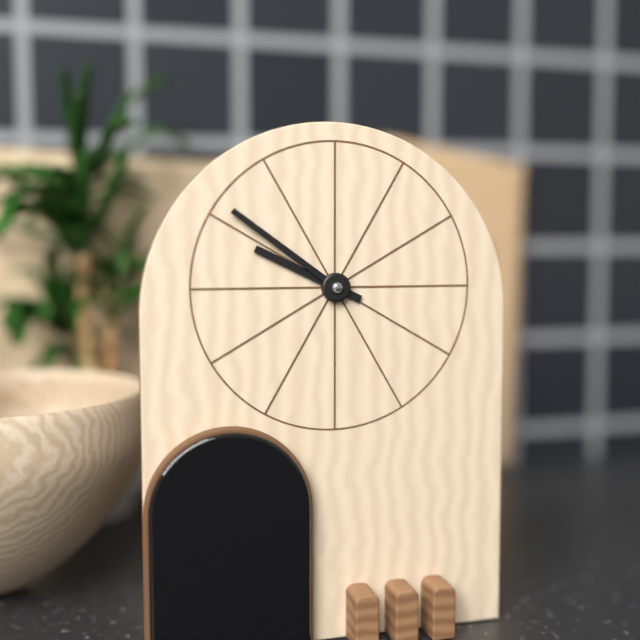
9h51
